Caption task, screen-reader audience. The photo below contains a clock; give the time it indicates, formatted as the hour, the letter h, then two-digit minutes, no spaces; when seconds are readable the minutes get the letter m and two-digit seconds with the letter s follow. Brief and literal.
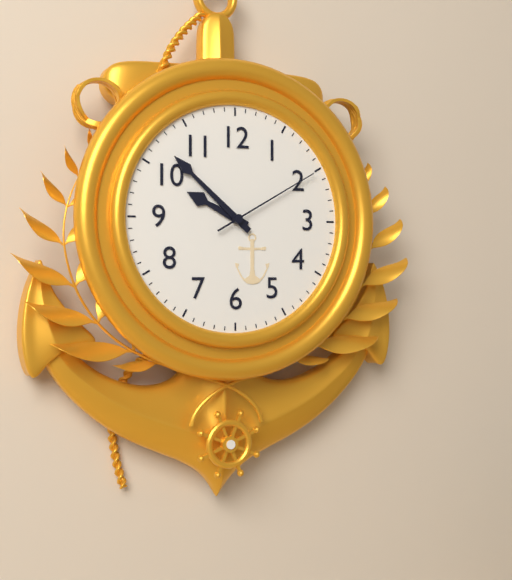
9h52m10s
